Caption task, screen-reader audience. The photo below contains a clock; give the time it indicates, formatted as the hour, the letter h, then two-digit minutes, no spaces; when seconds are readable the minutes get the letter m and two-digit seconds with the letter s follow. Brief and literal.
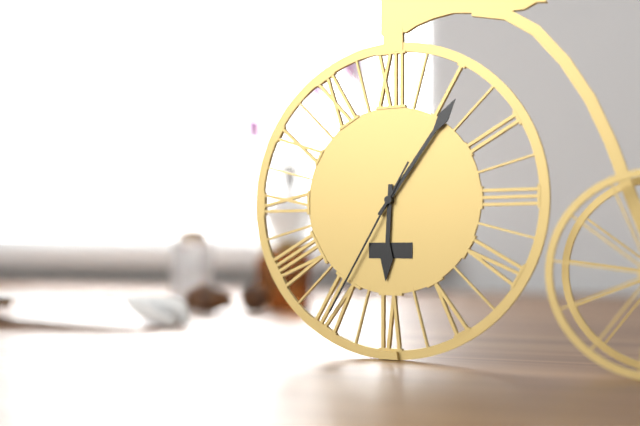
6h06m35s
